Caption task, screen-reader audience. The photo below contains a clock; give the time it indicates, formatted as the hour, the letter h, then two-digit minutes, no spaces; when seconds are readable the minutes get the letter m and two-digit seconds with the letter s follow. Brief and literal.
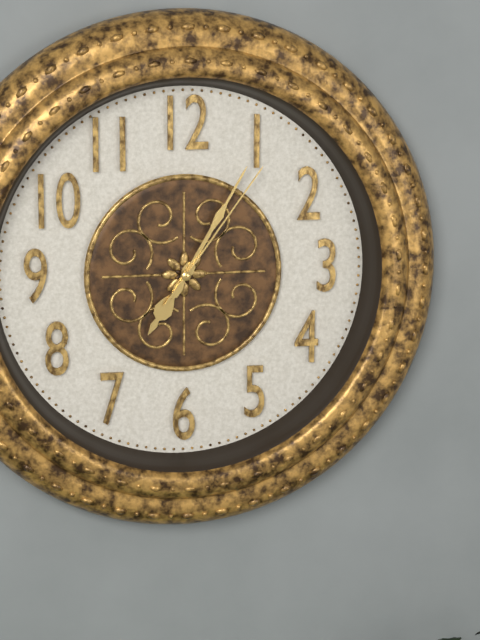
7h05m06s
